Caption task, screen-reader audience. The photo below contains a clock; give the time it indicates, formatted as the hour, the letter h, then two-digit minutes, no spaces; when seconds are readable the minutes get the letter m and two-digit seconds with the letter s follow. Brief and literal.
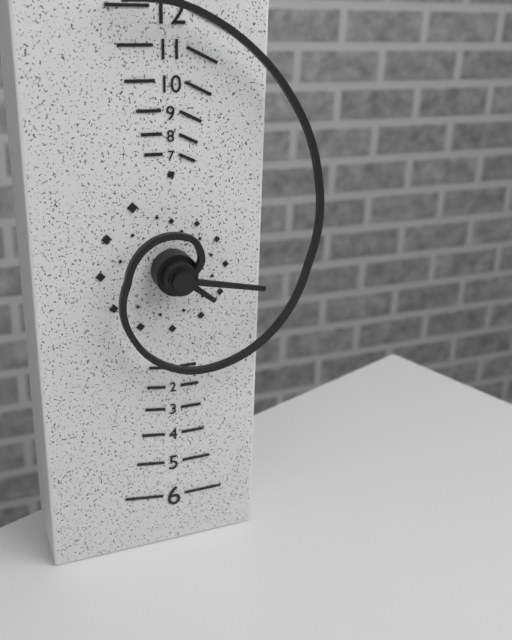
4h17
